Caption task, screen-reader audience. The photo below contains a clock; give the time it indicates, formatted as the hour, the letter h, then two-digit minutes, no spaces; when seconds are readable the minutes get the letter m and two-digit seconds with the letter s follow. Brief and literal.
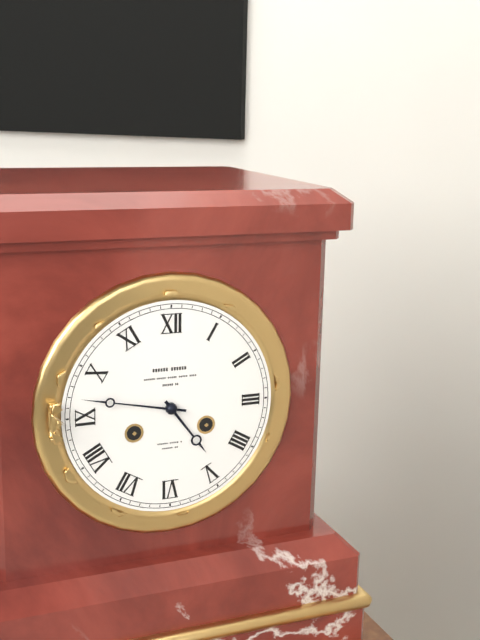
4h47
